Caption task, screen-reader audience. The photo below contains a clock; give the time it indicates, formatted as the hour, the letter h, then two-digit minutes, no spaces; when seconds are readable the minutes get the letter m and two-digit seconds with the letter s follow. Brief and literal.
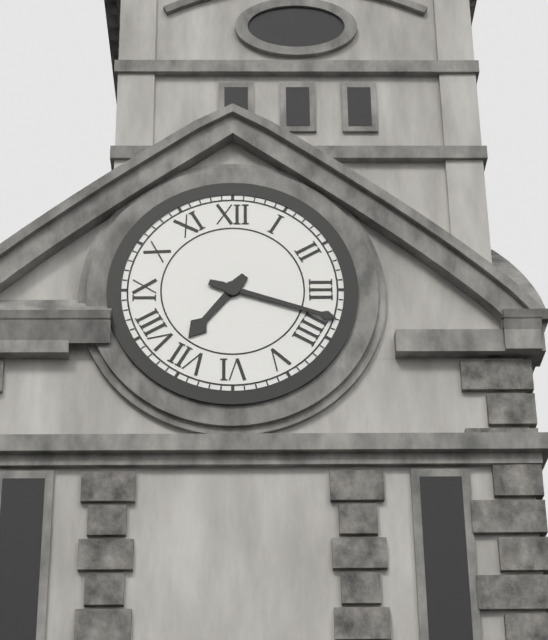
7h18
